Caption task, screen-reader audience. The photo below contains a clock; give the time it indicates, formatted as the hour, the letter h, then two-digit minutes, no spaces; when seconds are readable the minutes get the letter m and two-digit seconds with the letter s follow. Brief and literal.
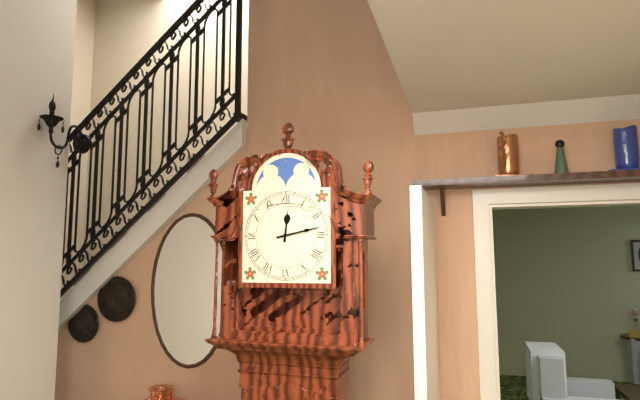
12h13
